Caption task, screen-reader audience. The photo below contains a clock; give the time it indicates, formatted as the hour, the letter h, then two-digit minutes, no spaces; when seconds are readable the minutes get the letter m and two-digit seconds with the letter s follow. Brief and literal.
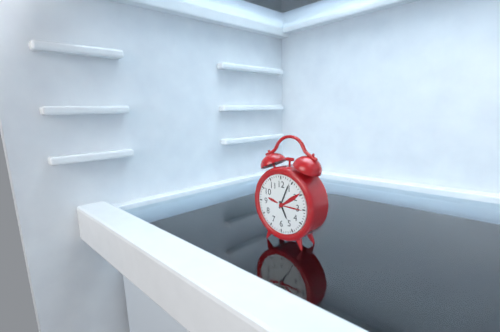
5h04
